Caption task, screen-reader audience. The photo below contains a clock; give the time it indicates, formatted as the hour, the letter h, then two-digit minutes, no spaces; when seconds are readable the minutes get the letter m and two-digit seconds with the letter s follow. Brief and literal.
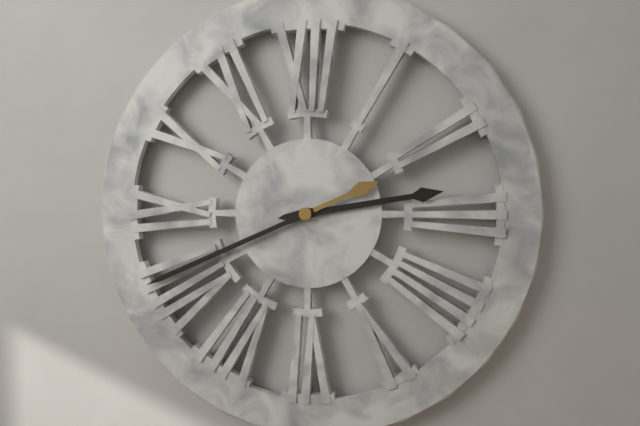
2h41
